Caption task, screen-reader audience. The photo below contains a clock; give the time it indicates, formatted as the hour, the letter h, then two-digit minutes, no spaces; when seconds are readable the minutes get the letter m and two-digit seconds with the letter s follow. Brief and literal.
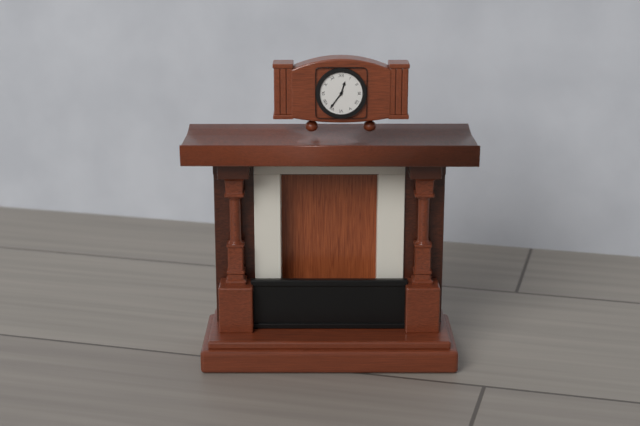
12h36
